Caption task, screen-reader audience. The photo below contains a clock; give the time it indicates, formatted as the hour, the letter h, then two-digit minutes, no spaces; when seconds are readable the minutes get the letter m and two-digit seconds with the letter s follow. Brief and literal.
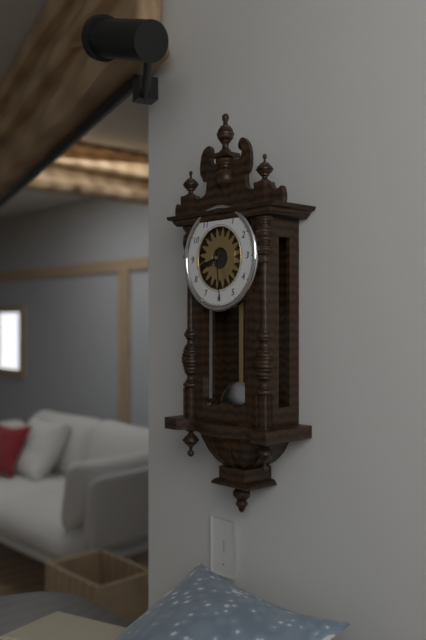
8h29
